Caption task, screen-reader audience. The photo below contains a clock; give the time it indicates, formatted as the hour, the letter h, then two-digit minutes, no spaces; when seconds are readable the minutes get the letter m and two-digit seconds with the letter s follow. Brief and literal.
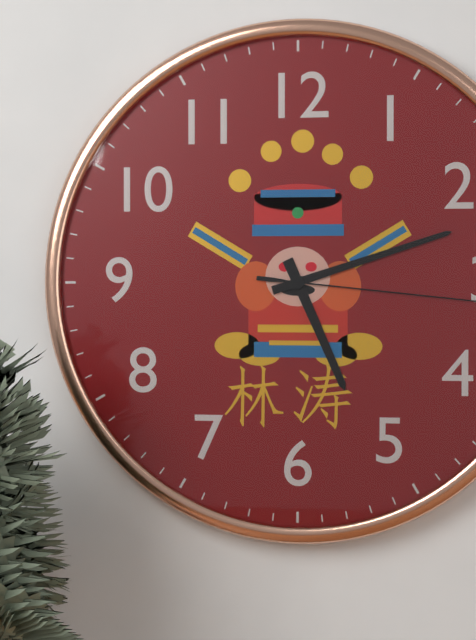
5h12
